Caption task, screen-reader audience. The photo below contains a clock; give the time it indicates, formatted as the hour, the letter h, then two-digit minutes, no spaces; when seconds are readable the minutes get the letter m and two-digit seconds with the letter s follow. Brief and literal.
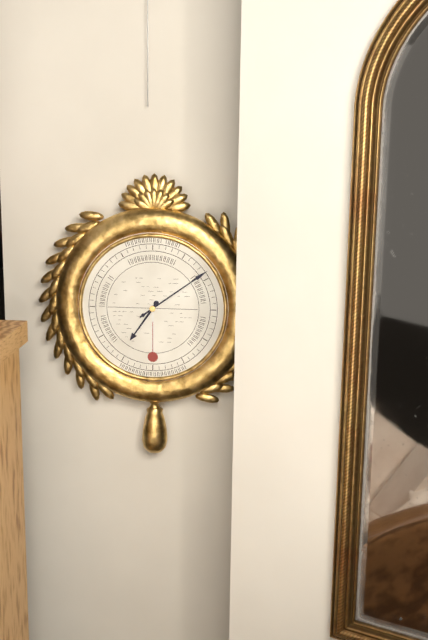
7h09
